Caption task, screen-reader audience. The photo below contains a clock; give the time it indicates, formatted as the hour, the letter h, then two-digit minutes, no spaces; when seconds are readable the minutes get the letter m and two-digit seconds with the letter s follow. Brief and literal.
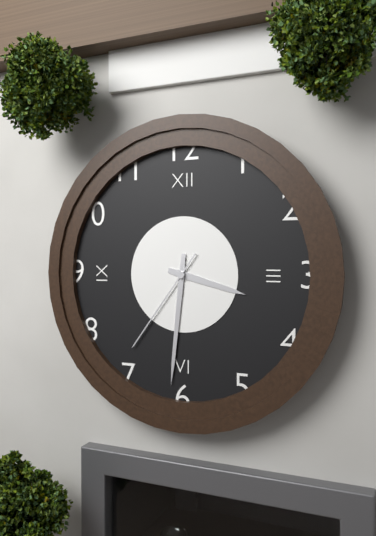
3h31m36s
